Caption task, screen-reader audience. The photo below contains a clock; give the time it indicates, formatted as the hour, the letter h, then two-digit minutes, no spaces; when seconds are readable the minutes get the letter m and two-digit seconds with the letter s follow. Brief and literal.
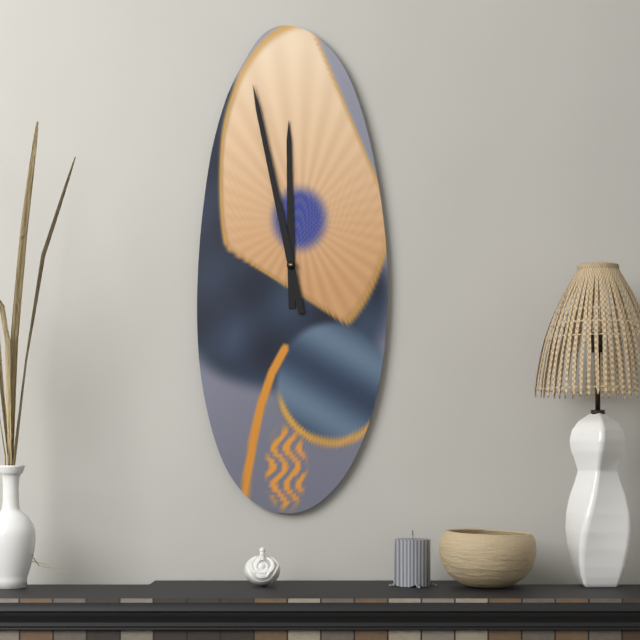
11h58
